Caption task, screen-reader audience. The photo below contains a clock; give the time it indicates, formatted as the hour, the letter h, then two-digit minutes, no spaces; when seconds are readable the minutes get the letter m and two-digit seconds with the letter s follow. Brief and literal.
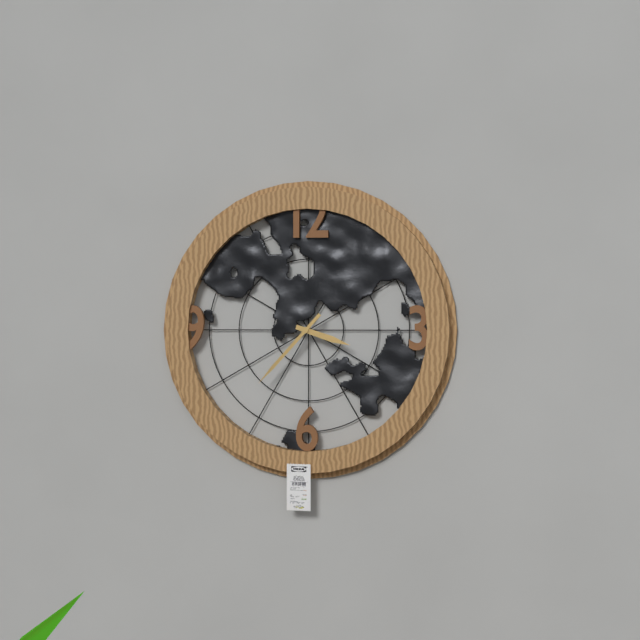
3h37
